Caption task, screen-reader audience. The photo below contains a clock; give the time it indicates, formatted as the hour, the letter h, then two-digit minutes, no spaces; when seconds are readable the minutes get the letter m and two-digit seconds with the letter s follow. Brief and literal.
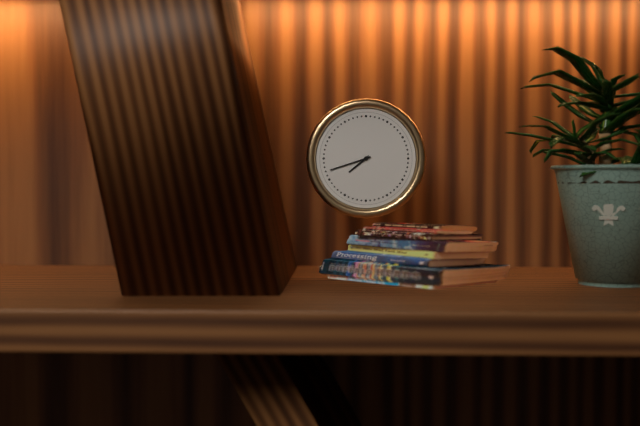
7h42
